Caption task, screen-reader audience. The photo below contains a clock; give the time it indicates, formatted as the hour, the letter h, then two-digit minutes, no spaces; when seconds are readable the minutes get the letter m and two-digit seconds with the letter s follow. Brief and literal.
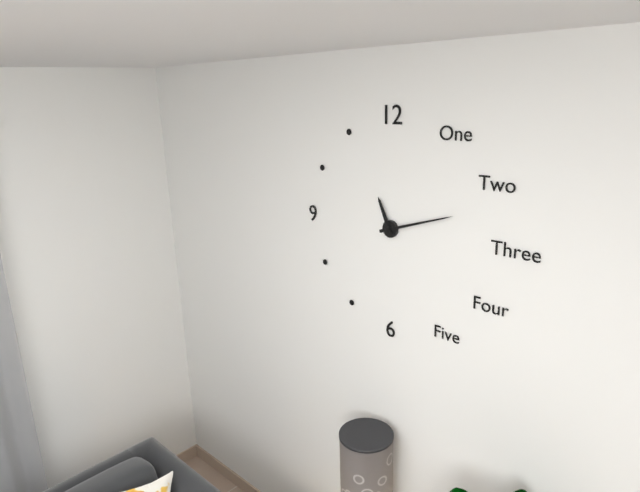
11h12
